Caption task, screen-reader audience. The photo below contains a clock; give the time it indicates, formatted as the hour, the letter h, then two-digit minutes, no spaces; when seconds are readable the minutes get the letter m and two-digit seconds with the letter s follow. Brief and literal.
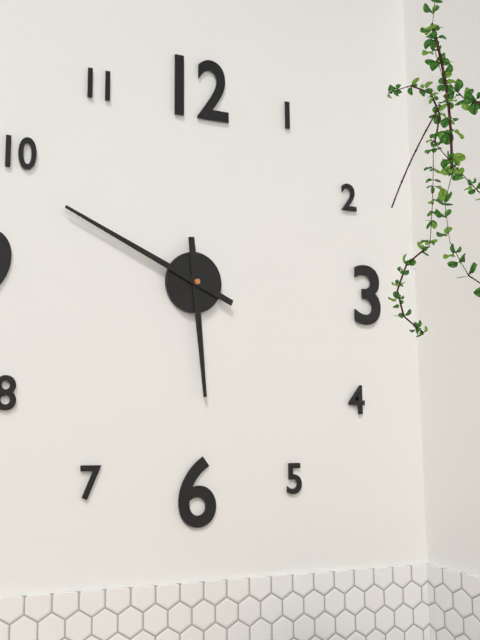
5h49
